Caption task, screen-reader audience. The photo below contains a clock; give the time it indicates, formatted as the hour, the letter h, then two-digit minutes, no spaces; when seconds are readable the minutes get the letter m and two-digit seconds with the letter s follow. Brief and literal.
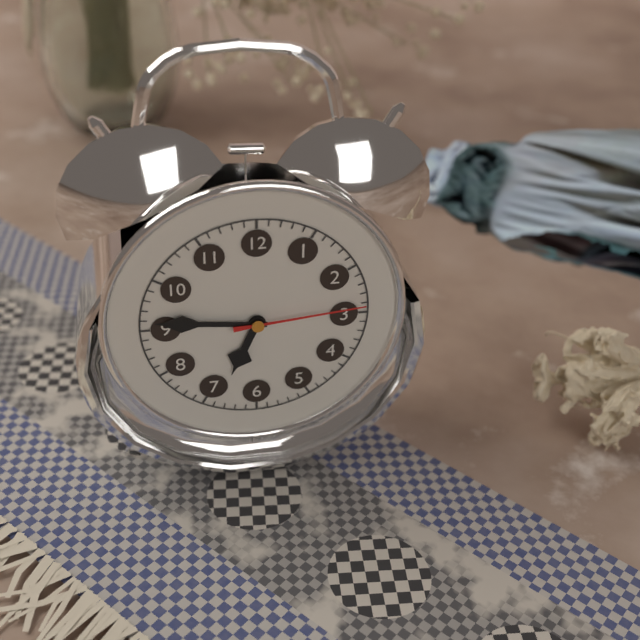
6h46m14s
